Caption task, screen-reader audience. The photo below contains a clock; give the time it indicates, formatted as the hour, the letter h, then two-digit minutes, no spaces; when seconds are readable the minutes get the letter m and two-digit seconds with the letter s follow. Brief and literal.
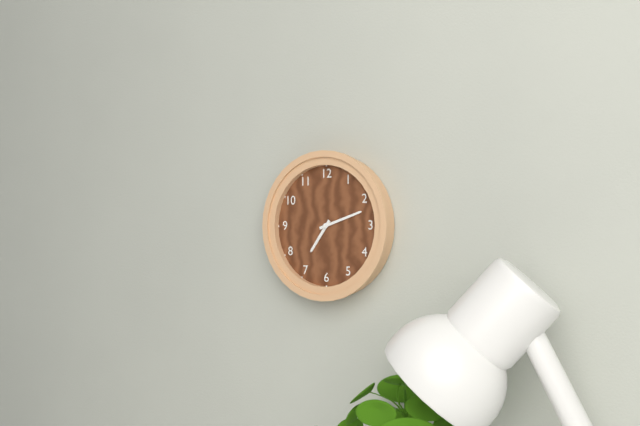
7h12
